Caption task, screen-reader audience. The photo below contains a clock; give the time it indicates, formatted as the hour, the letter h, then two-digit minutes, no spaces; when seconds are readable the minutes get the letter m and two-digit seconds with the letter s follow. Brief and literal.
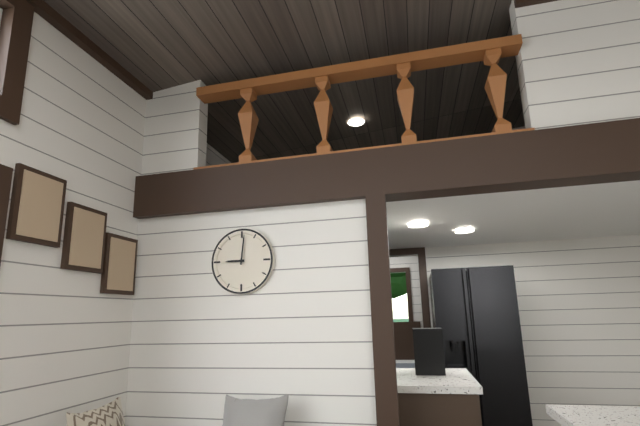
9h01
